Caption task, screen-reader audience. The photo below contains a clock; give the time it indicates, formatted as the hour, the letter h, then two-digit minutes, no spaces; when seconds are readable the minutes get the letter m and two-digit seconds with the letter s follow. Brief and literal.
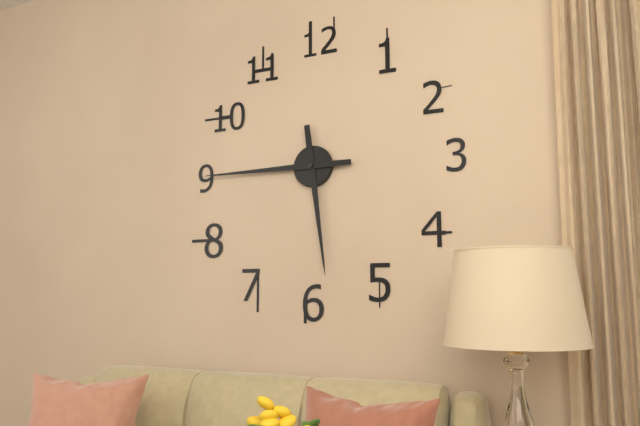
5h45
